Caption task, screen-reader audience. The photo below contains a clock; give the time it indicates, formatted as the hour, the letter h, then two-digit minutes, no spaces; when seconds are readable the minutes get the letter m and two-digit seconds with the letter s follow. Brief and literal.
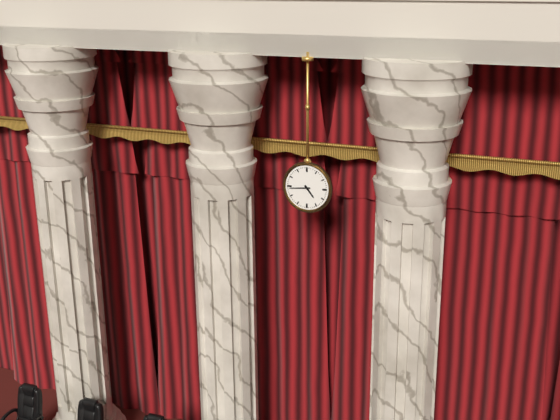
4h44
